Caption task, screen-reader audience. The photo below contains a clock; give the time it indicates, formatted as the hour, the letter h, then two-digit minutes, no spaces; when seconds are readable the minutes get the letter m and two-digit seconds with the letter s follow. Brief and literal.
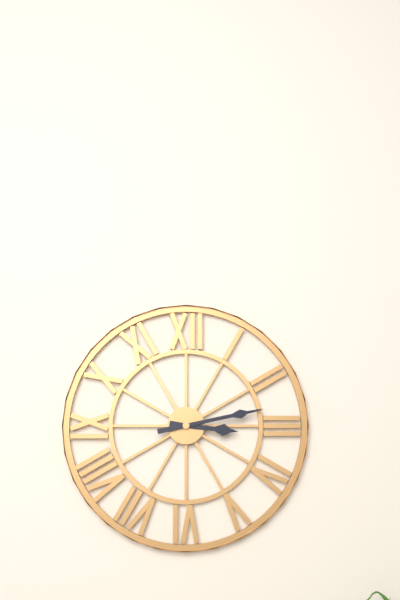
3h13
